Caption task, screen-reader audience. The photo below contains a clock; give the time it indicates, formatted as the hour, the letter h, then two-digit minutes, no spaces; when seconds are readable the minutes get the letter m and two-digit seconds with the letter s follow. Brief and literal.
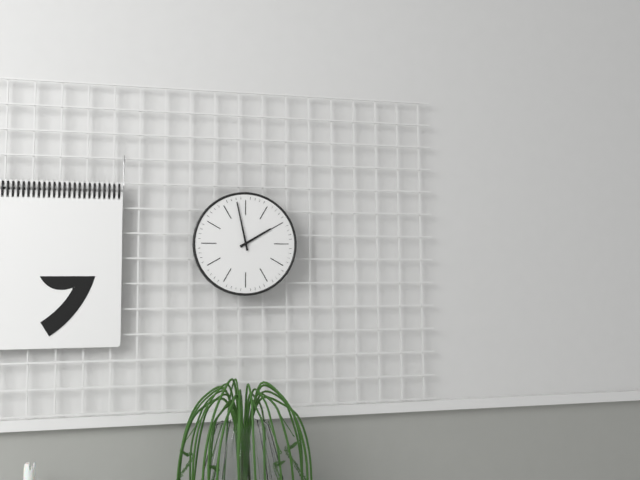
1h58
